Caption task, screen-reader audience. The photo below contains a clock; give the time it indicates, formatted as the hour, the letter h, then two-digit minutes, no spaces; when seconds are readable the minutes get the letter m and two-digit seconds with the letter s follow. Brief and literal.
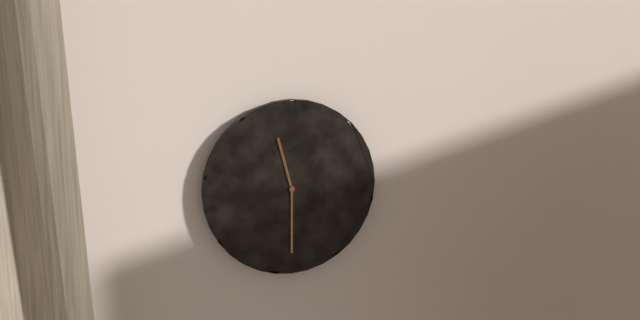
11h30
